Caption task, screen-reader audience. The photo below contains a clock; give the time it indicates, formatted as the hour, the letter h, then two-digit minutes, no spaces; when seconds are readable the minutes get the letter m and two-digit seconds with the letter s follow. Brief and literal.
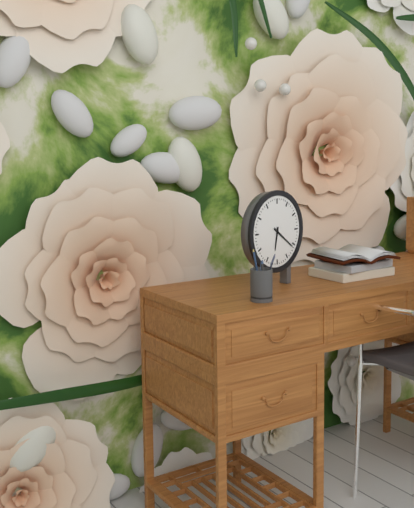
6h21
